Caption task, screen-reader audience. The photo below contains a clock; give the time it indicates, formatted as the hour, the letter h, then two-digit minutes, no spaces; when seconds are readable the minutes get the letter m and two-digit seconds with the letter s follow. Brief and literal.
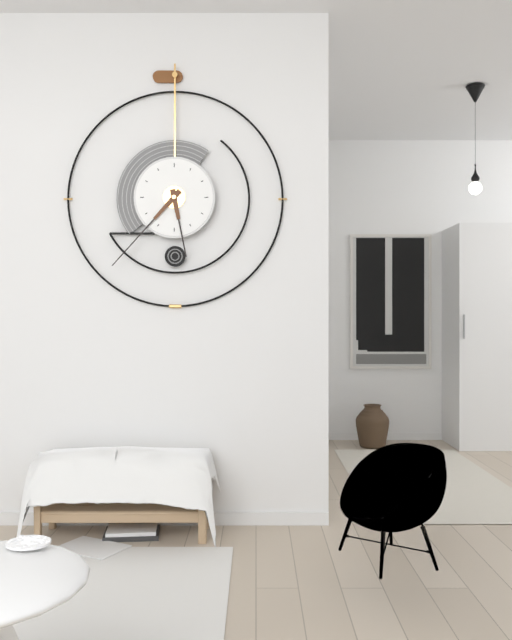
5h37
